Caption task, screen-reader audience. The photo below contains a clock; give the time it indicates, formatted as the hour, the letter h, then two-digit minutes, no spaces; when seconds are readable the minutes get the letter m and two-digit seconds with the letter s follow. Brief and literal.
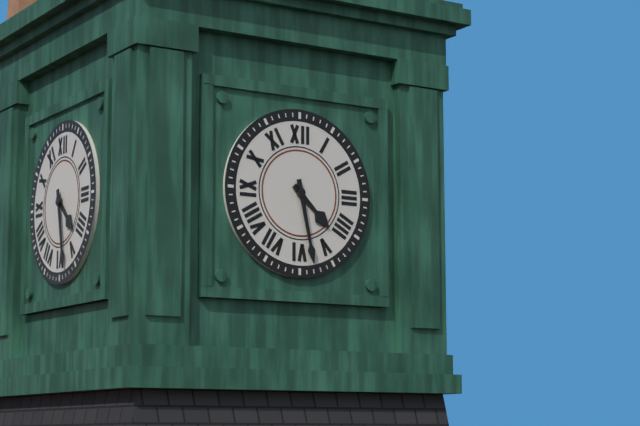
4h28
